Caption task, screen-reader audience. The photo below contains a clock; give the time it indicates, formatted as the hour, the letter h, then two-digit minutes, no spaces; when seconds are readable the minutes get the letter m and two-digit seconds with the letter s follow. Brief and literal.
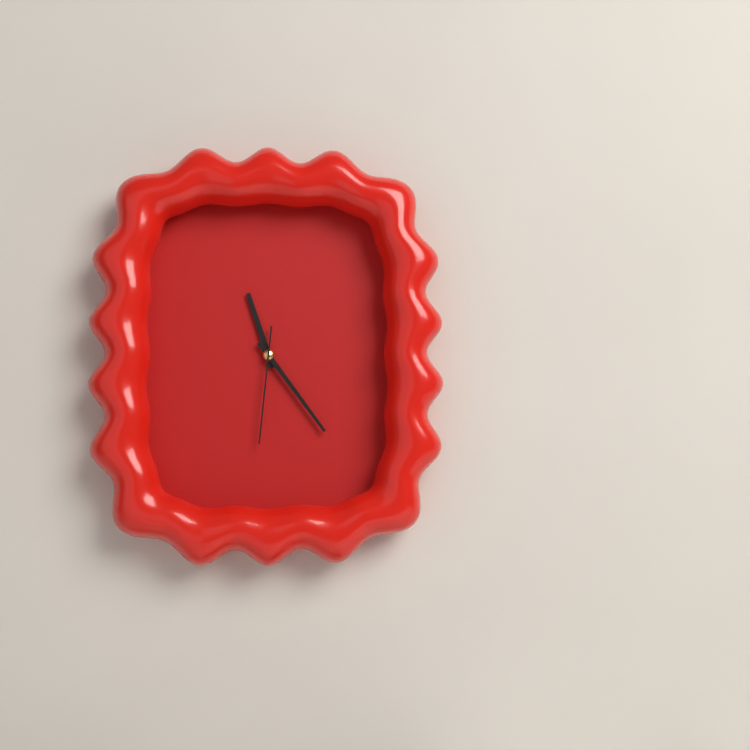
11h24m31s
